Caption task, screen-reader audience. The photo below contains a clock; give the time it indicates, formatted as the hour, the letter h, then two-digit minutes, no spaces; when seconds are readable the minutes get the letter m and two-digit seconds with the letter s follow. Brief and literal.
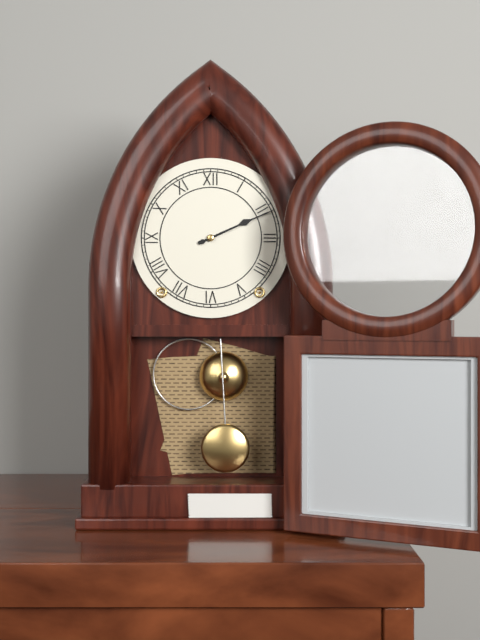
2h11
